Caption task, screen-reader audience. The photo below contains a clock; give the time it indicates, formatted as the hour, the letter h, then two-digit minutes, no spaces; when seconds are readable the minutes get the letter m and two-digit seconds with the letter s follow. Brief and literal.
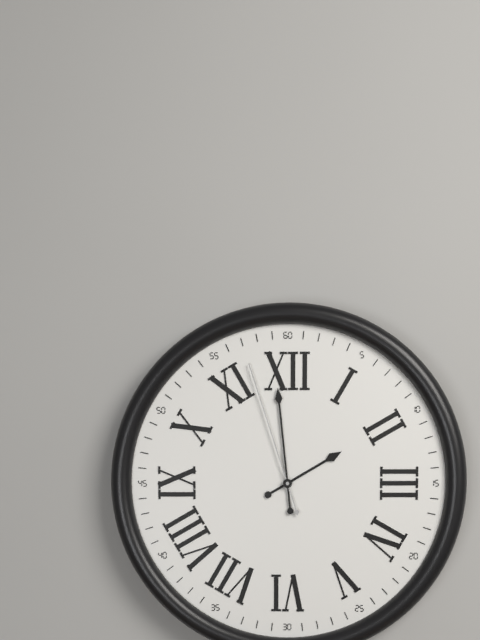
1h59m57s
